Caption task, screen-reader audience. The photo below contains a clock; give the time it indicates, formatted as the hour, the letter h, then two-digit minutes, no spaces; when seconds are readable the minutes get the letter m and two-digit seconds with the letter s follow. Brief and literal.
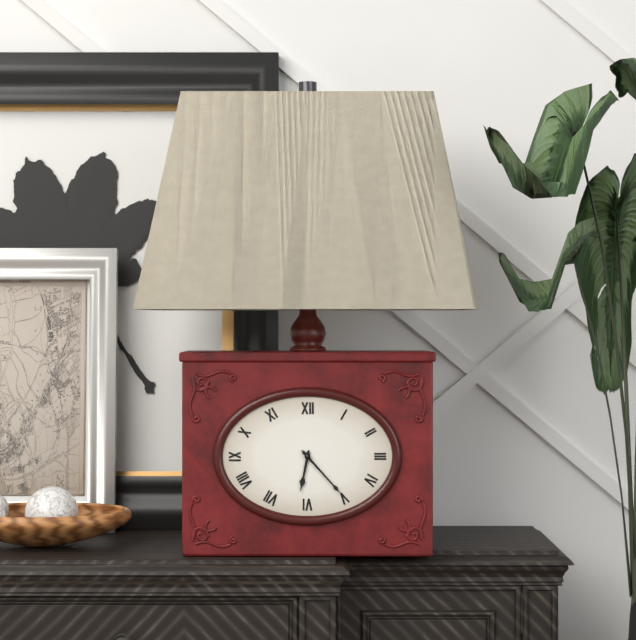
6h23
